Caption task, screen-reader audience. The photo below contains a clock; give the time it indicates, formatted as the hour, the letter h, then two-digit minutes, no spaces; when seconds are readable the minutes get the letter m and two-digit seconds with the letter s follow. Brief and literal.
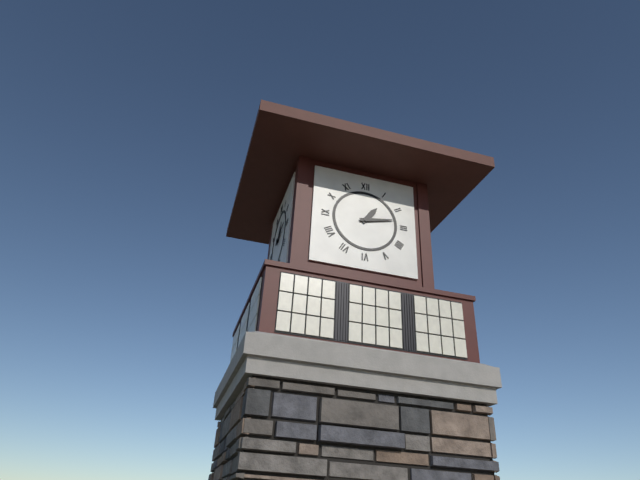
1h13
